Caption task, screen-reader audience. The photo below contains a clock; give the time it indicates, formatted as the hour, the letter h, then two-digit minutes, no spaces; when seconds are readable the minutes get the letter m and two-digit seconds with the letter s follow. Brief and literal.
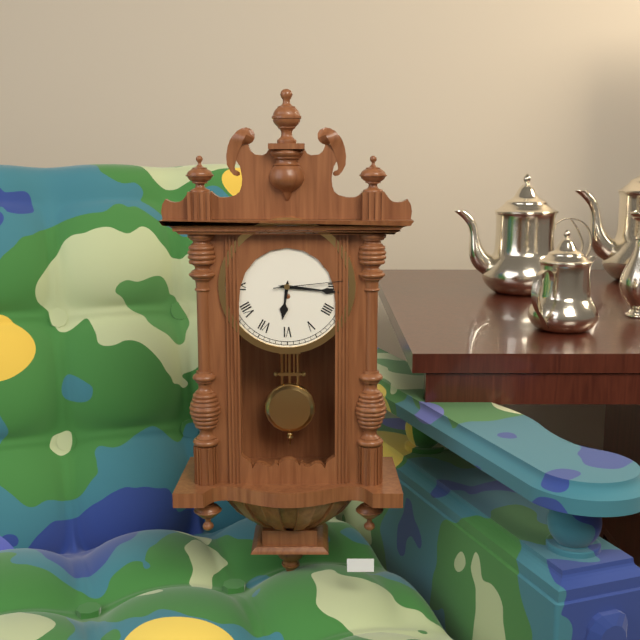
6h16m14s
